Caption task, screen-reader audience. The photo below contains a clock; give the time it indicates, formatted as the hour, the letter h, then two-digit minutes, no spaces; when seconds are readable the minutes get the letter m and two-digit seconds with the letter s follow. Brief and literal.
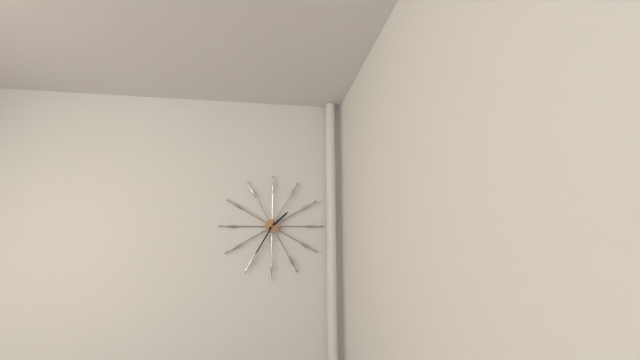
1h35
